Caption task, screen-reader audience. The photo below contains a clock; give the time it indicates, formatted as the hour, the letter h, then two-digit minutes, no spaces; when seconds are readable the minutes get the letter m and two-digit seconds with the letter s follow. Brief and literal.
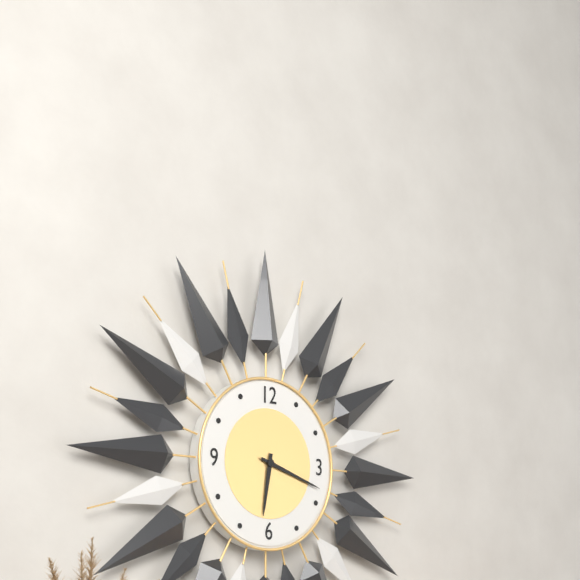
6h18
